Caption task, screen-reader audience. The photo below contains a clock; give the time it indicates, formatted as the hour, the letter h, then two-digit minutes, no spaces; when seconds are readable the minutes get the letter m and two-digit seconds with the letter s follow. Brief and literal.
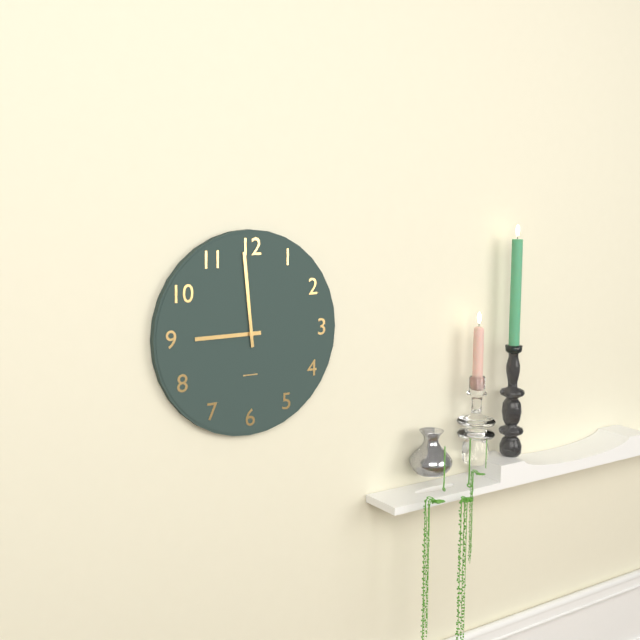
8h59
